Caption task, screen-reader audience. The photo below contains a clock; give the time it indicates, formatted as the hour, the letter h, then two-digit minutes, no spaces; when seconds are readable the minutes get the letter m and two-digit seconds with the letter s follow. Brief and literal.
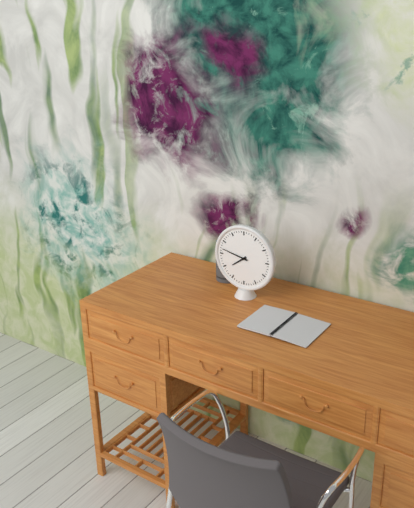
7h47
